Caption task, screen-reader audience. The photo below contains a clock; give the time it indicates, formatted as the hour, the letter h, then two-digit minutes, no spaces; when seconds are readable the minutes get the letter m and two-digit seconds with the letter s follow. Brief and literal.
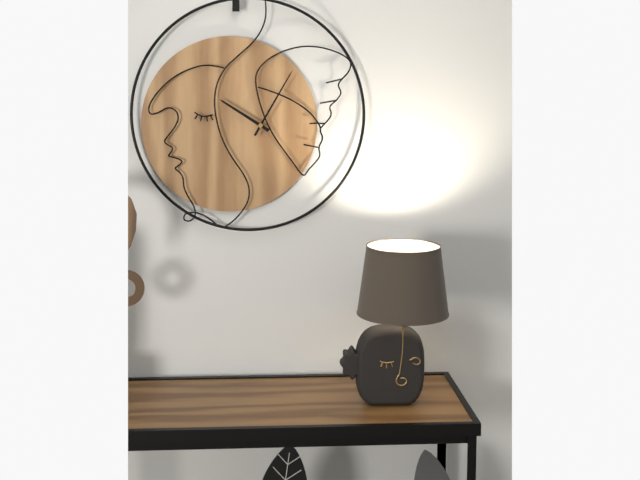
10h05
